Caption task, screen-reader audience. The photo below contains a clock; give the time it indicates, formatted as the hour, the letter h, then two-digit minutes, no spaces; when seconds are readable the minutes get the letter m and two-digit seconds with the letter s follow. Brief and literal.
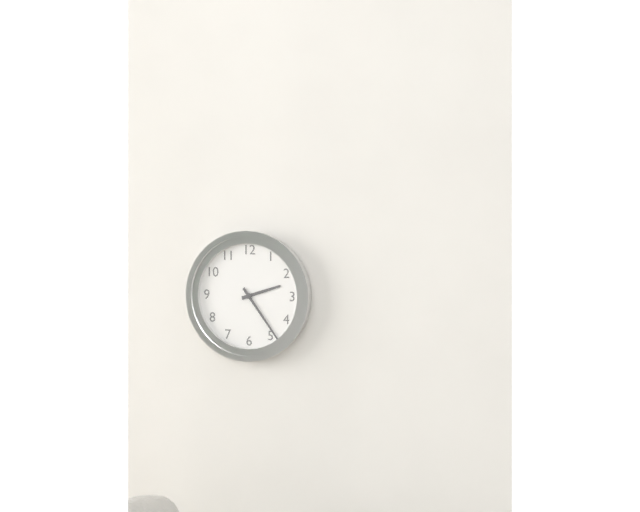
2h24
